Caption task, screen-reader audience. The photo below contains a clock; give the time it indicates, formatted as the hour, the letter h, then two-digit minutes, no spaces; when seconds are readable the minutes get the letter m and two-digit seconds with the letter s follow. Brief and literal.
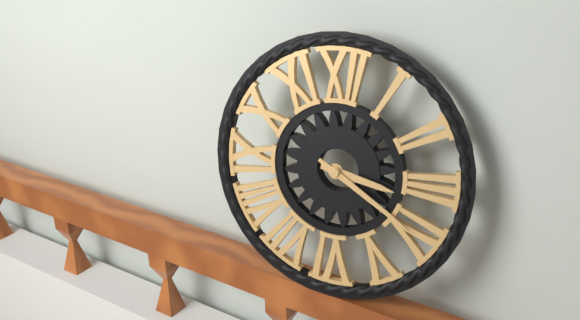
3h20
